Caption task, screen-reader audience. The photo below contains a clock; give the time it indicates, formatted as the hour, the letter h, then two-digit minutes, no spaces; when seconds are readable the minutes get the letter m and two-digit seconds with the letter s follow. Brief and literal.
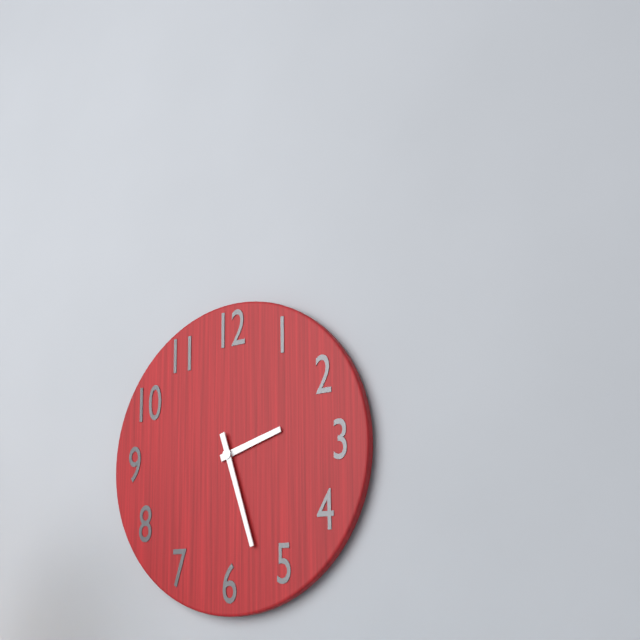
2h27
